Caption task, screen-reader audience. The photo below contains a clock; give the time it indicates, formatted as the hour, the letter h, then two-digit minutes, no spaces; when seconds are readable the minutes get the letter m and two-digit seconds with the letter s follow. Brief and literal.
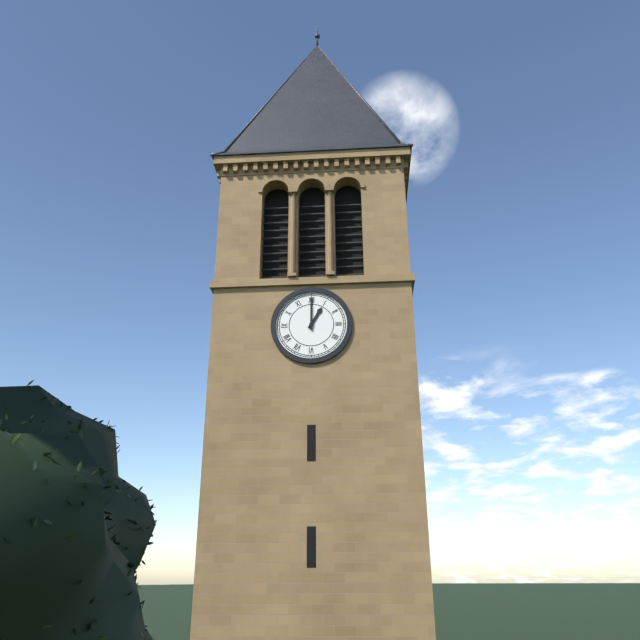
1h00
